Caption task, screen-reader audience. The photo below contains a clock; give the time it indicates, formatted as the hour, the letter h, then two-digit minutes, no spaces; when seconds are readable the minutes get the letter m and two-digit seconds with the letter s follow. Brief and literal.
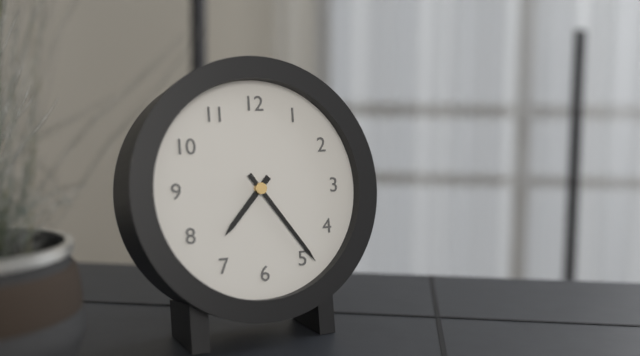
7h24
